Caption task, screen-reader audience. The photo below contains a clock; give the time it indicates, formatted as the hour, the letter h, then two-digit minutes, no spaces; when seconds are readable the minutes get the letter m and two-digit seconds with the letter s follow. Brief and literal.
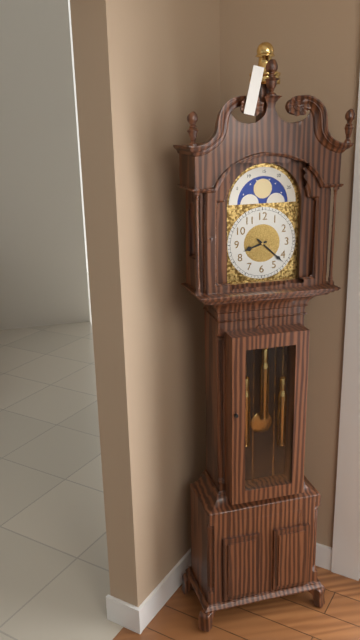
8h22
